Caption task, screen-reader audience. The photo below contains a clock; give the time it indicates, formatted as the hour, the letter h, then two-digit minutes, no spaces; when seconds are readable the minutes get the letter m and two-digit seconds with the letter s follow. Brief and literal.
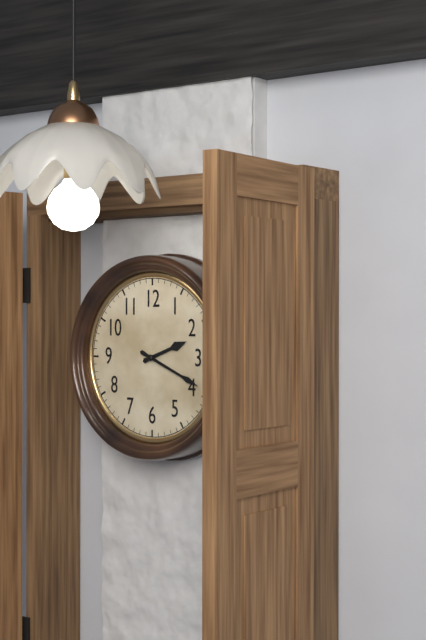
2h19
